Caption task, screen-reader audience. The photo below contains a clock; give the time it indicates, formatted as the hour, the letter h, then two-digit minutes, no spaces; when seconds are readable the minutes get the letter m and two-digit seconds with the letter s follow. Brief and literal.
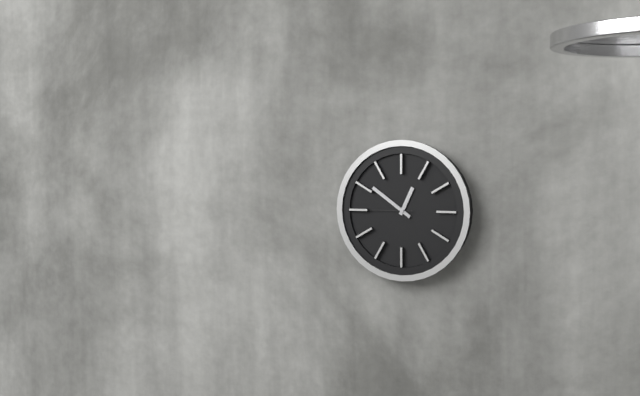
12h51m45s
